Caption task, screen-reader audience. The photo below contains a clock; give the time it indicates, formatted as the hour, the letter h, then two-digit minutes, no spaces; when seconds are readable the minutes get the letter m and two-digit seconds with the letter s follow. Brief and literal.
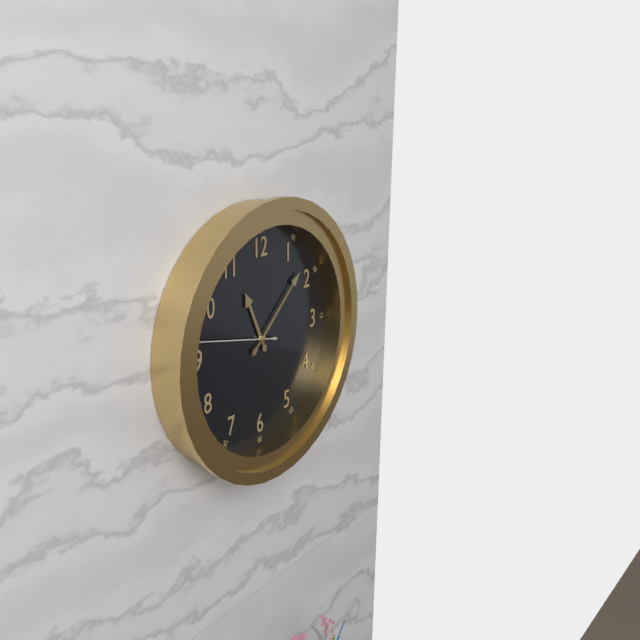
11h08m47s
